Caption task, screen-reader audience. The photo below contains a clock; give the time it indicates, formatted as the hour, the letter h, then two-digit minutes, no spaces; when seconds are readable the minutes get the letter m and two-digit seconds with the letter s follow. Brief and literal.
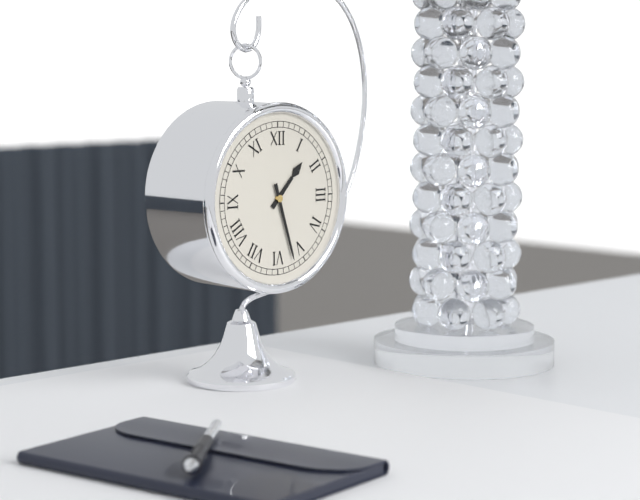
1h27
